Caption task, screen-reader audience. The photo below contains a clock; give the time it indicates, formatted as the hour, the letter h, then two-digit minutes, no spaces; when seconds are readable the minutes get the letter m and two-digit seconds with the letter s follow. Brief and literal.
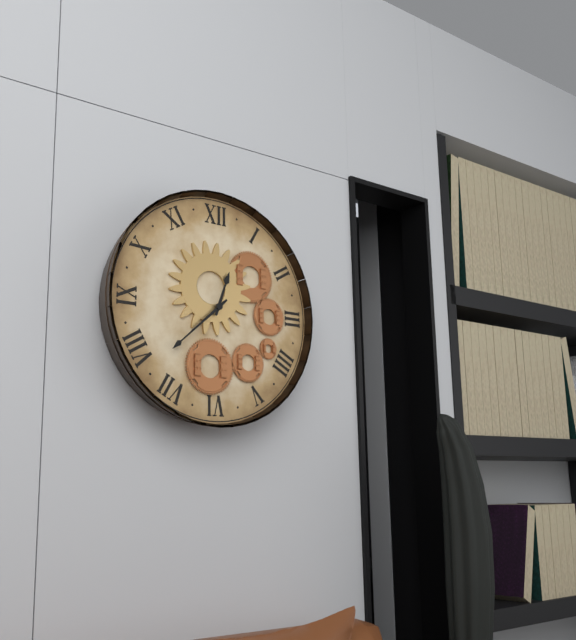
12h38
